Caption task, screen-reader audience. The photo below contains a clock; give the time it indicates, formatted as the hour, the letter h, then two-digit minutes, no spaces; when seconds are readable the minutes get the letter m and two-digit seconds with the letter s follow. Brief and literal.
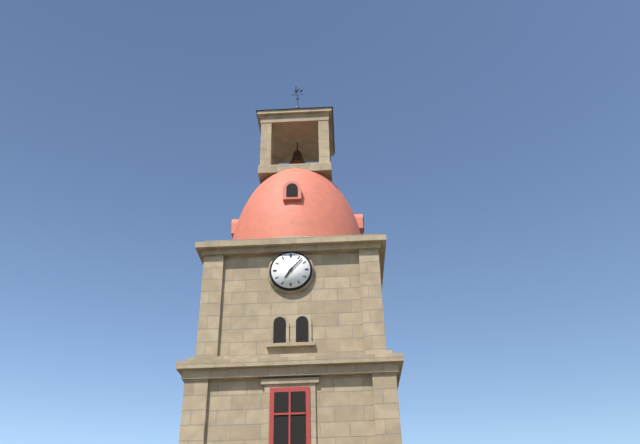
7h07
